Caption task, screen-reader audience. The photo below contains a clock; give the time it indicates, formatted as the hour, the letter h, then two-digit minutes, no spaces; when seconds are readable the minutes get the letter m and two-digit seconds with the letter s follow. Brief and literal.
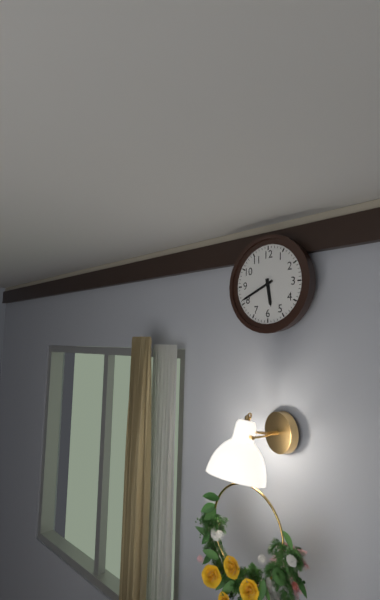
5h41
